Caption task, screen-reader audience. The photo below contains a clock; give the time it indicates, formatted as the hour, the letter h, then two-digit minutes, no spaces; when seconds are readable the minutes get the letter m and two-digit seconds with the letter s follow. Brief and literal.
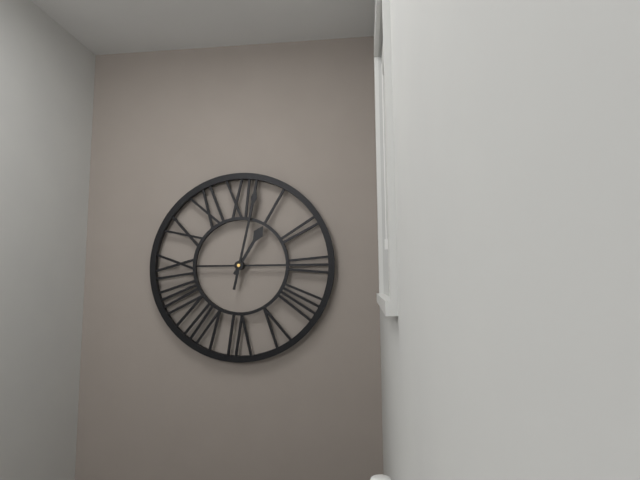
1h02
